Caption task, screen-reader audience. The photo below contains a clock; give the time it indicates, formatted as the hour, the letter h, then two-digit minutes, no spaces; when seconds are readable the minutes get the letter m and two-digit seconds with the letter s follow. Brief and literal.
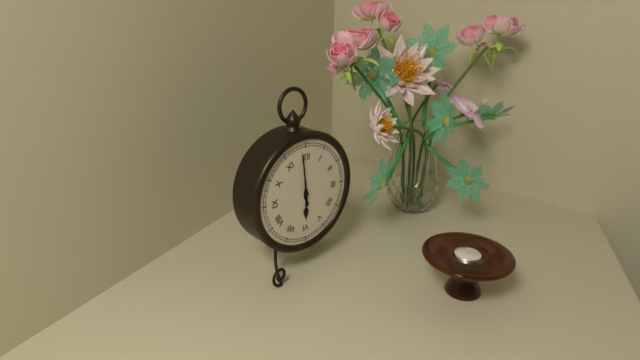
5h59
